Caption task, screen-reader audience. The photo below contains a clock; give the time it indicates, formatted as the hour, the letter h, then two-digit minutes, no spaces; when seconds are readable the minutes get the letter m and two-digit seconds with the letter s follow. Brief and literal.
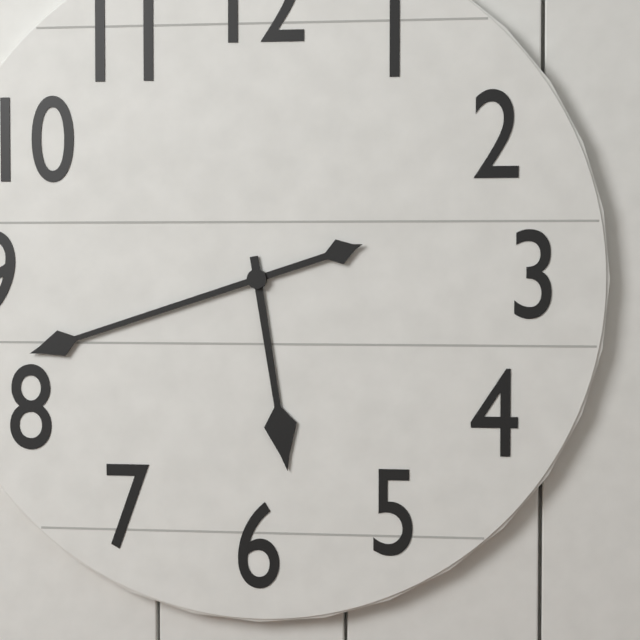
5h42
